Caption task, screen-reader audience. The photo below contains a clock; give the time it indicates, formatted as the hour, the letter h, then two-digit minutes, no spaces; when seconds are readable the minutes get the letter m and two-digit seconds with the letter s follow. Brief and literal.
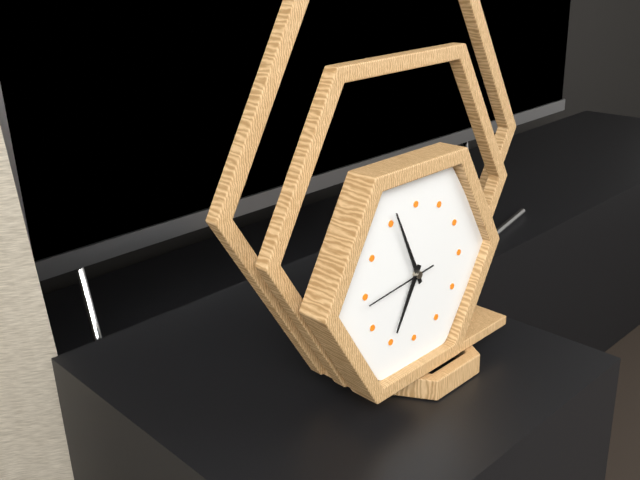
6h56m44s
